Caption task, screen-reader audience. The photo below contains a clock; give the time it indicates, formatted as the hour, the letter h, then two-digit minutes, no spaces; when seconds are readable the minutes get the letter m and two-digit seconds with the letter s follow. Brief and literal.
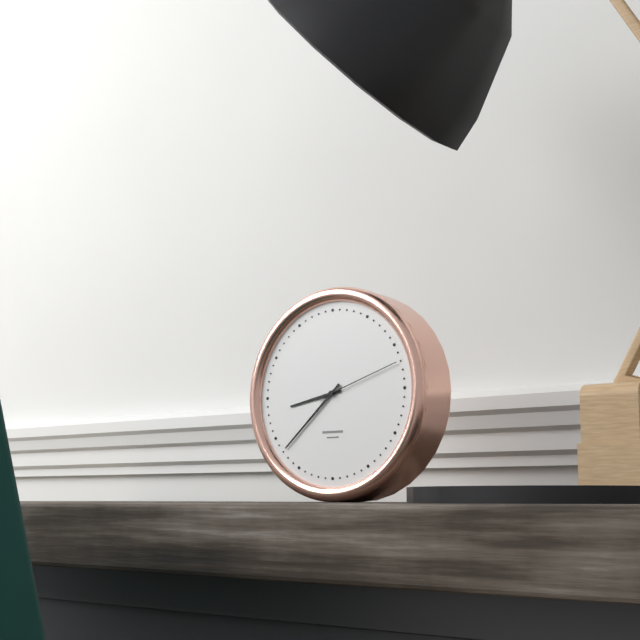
8h38m12s
